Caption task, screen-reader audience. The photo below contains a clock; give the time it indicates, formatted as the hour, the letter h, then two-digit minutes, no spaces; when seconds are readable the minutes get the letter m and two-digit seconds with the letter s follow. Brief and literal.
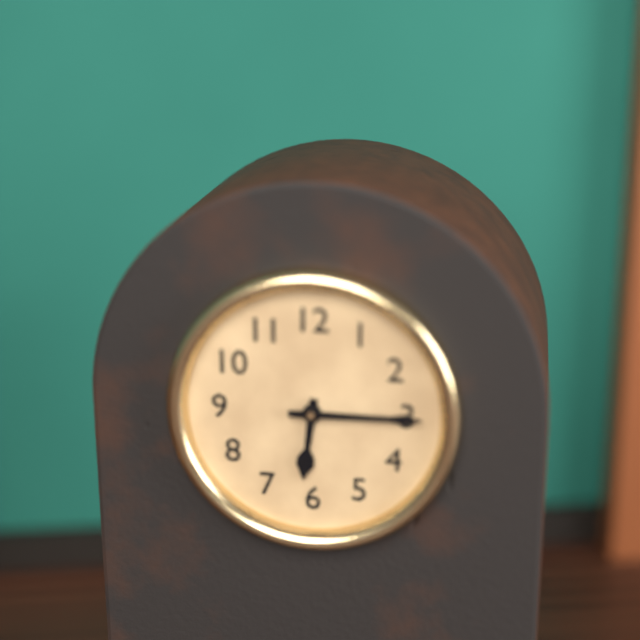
6h15
